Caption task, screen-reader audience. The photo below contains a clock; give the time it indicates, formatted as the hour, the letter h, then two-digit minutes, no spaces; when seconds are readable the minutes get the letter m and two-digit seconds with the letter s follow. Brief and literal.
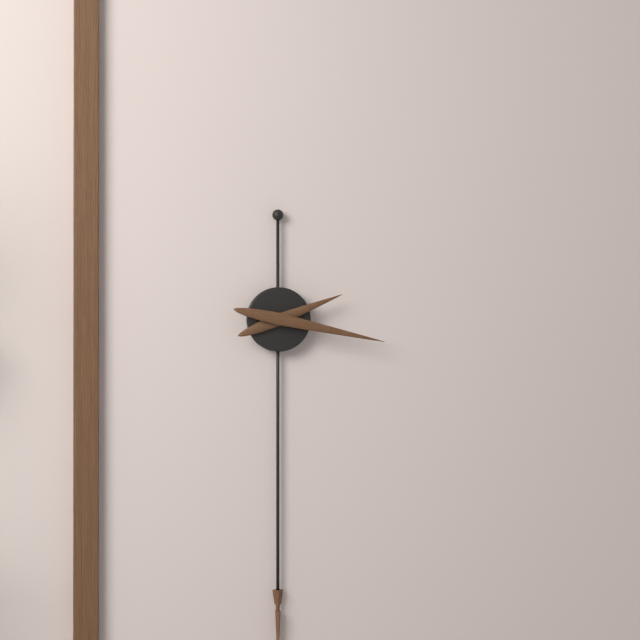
2h17
